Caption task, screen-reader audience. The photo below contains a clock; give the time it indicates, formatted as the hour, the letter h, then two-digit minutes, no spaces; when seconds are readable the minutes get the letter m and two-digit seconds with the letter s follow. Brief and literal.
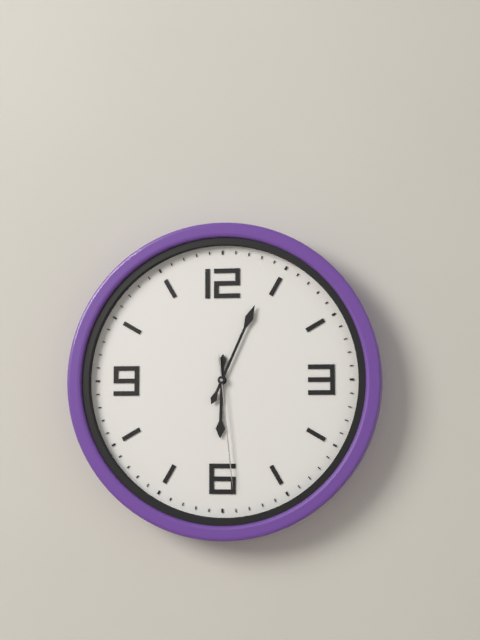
6h04m29s
